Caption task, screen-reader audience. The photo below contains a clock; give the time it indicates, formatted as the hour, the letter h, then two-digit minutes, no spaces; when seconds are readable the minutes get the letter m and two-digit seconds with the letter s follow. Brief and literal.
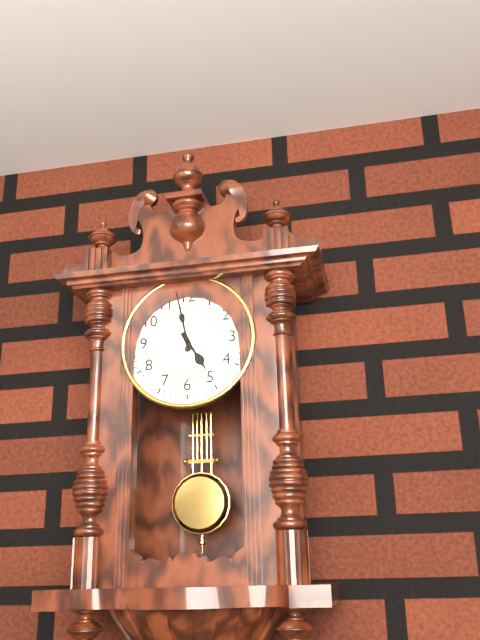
4h58
